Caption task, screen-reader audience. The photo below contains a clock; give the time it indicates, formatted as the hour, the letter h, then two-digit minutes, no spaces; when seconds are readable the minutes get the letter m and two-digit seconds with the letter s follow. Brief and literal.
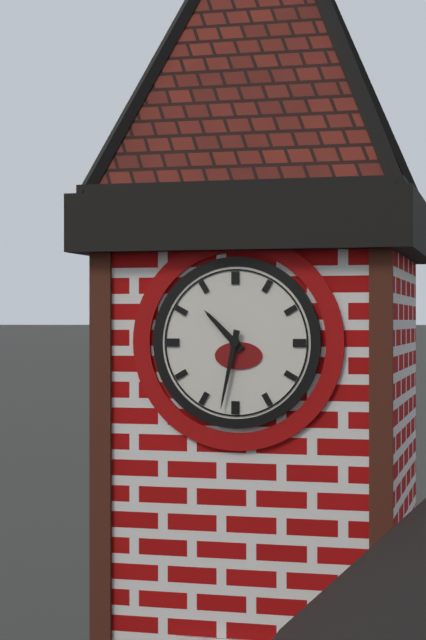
10h32
